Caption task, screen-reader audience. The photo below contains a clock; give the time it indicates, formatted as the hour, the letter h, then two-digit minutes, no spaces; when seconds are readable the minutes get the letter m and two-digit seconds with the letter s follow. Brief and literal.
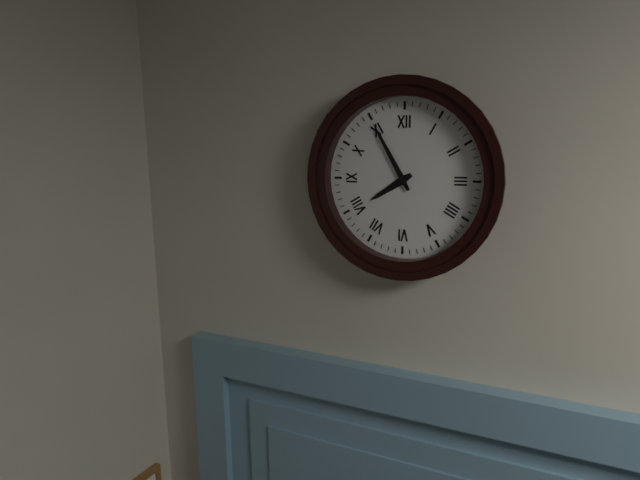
7h55
